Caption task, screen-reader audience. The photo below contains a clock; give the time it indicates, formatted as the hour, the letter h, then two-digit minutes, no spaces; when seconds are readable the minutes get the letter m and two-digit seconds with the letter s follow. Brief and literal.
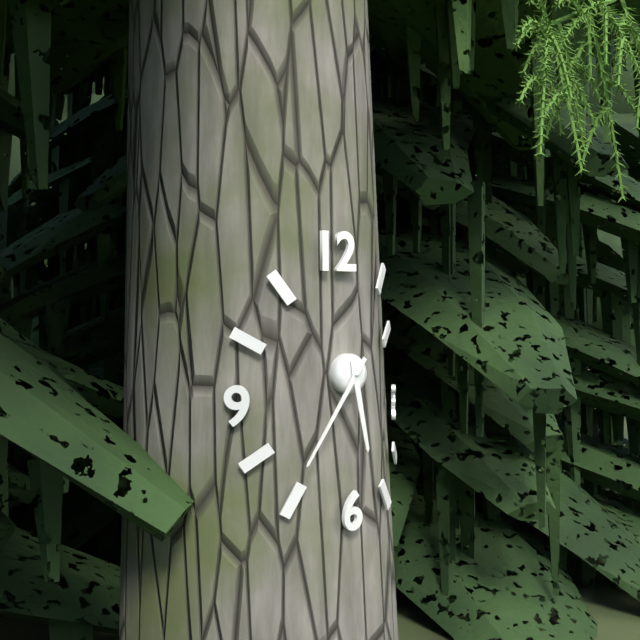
5h36
